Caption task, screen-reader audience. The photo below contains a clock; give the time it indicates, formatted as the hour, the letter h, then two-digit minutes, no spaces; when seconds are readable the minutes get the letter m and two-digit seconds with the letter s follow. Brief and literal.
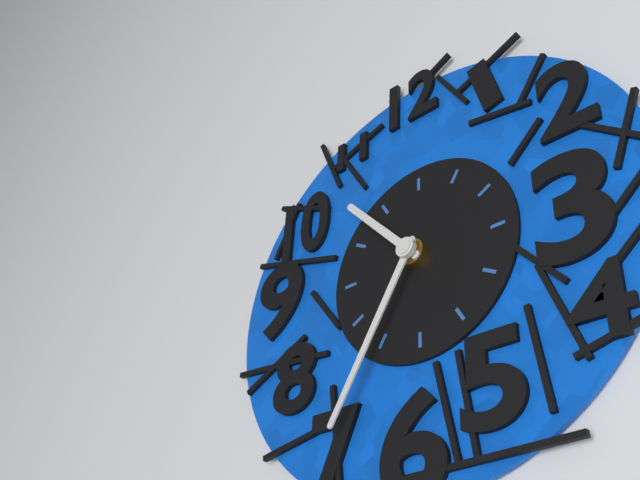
10h35
